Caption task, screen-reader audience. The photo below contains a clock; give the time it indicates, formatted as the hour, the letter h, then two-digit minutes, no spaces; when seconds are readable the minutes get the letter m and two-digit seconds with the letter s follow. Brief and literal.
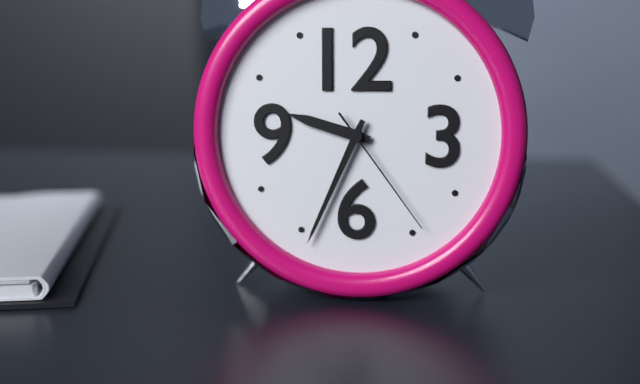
9h34m24s
